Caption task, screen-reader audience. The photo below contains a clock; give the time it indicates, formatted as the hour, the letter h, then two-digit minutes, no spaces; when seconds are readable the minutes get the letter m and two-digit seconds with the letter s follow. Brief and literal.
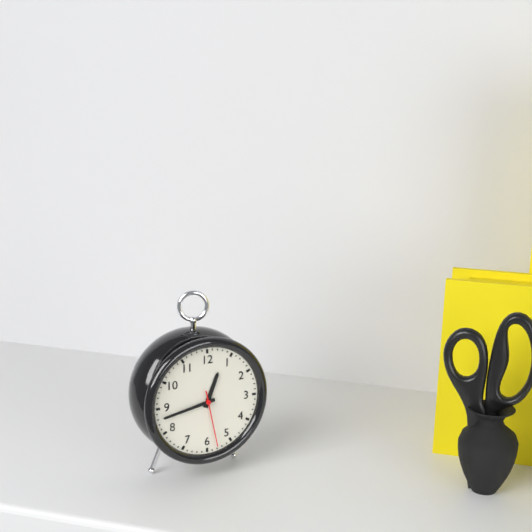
12h43m28s
